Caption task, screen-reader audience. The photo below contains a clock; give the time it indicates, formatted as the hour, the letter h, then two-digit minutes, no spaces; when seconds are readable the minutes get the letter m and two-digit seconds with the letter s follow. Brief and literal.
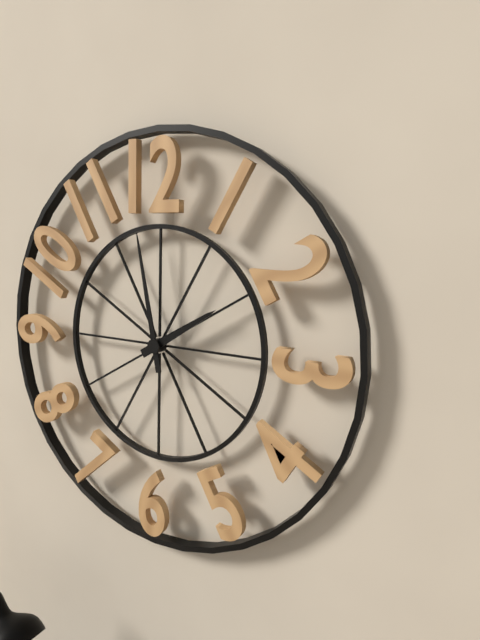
1h58
